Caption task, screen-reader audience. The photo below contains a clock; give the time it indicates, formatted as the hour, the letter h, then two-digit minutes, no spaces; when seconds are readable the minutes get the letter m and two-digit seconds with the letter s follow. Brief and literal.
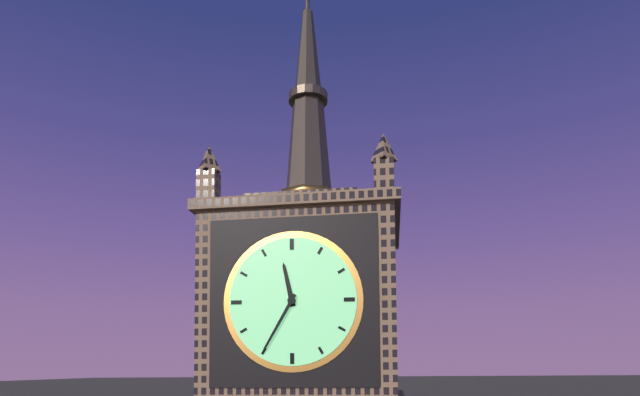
11h35
